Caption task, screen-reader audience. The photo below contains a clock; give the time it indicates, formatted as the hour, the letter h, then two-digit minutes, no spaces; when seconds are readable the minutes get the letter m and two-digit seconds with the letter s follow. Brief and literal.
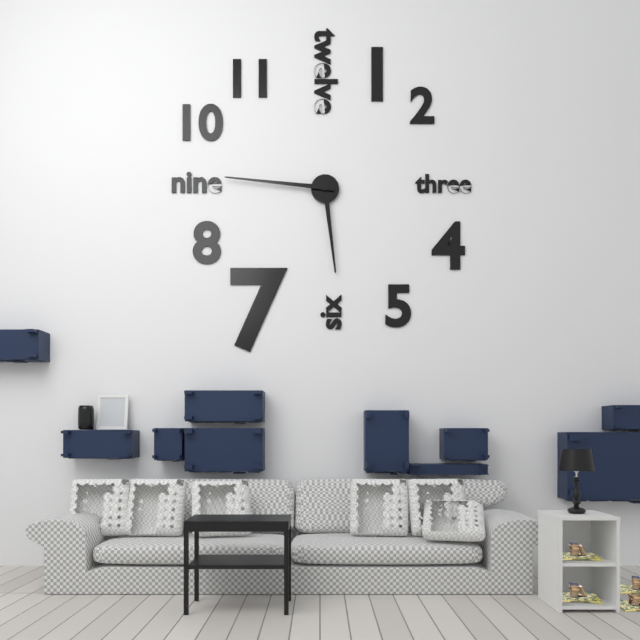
5h46
